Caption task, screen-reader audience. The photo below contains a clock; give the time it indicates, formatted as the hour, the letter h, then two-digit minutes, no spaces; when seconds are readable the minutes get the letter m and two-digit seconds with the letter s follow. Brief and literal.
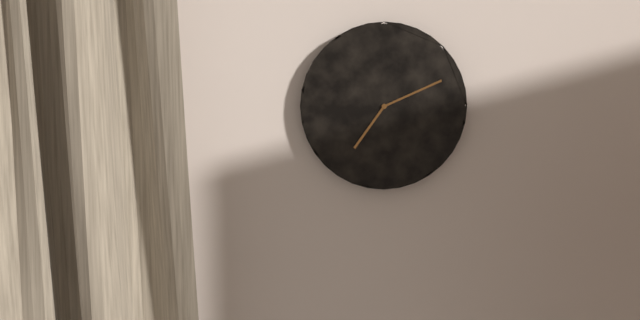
7h11
